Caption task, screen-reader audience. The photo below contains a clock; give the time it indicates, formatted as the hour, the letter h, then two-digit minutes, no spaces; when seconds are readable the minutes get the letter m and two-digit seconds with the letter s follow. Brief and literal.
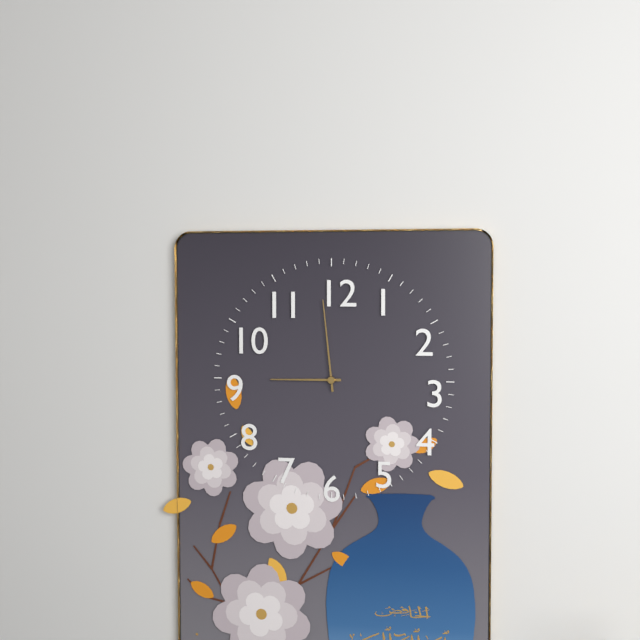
8h59
